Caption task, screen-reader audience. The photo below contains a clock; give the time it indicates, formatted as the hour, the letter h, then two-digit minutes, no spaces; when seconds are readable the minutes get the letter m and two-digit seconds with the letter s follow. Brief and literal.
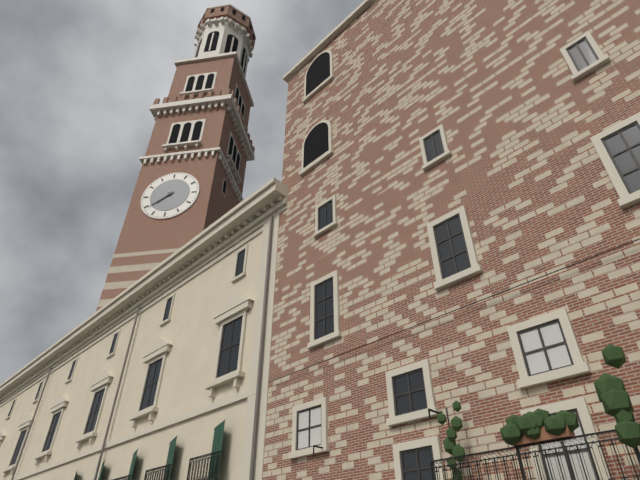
7h39
